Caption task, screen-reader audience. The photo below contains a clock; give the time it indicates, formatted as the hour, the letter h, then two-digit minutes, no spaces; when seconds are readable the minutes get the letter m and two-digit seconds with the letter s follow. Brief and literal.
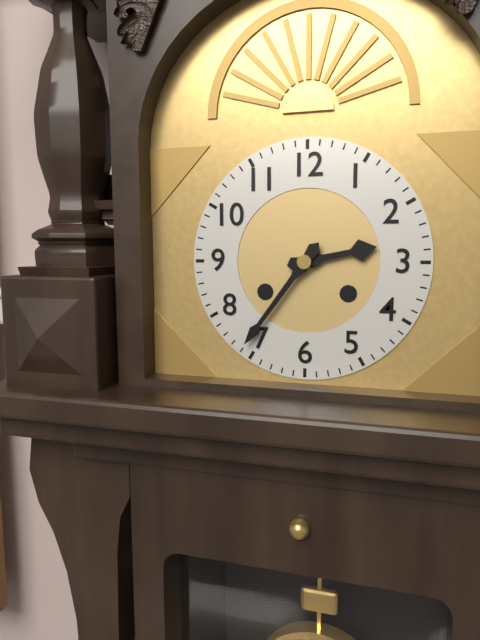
2h36
